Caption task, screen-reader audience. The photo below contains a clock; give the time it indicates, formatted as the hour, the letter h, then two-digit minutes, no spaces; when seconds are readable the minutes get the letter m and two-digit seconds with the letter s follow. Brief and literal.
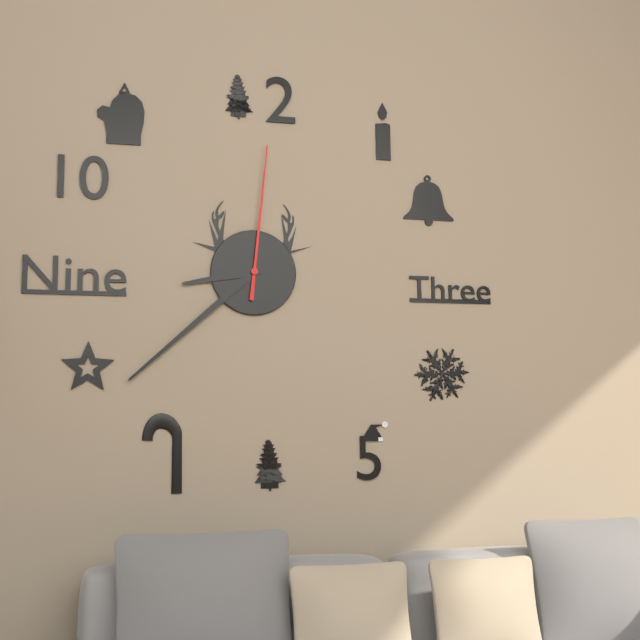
8h38m01s
